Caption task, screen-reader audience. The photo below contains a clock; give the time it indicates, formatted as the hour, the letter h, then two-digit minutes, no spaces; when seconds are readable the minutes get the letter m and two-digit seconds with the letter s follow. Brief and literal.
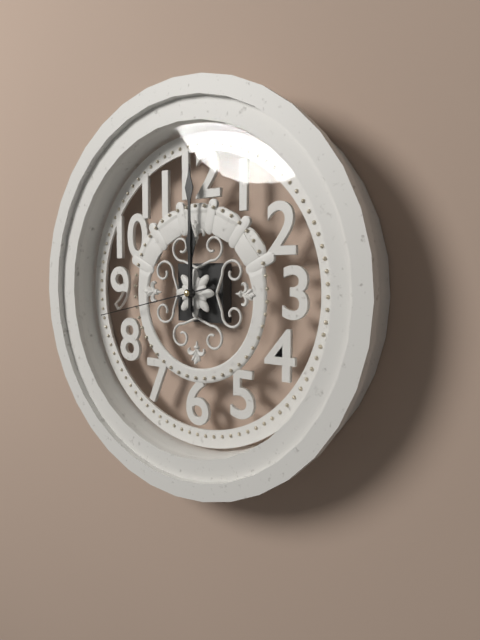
12h00m43s
